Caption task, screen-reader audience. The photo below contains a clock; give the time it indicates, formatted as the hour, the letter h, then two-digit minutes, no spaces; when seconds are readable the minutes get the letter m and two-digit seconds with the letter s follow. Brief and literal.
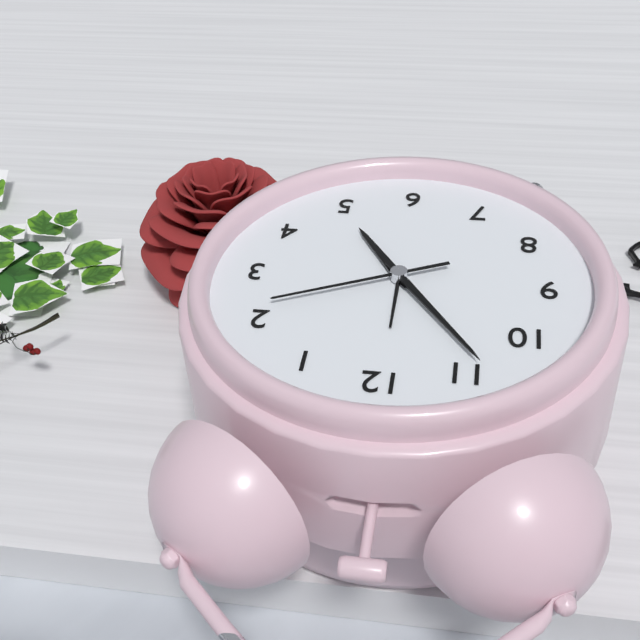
4h54m11s
